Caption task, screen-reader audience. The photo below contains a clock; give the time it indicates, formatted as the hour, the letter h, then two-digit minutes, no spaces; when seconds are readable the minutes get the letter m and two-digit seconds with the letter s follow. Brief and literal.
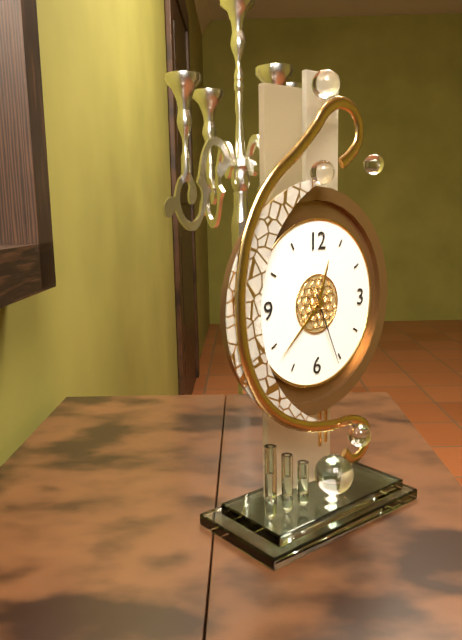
12h38m26s
